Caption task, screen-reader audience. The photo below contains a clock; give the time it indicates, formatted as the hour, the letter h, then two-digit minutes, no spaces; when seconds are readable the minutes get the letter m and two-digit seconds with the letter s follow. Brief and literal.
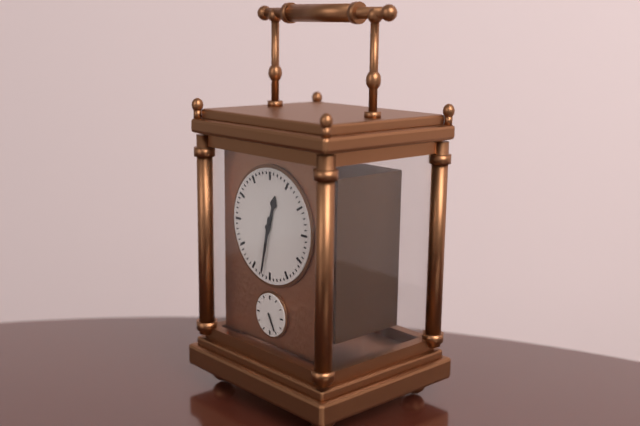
12h32
